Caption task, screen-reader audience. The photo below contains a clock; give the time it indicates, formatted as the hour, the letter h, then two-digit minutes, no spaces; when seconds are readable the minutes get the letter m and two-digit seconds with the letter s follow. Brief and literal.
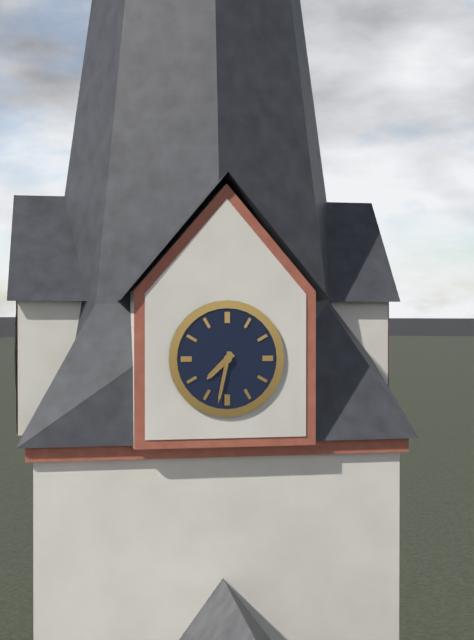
7h32
